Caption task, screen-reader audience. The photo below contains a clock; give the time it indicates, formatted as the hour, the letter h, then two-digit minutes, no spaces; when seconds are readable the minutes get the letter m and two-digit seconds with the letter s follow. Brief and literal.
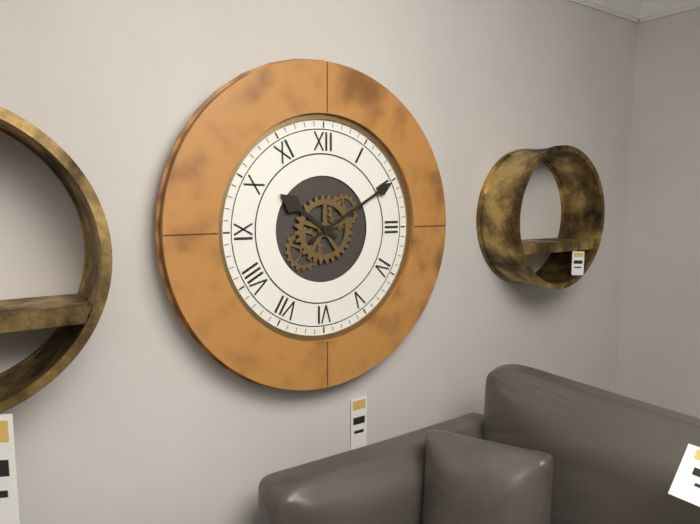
10h10
